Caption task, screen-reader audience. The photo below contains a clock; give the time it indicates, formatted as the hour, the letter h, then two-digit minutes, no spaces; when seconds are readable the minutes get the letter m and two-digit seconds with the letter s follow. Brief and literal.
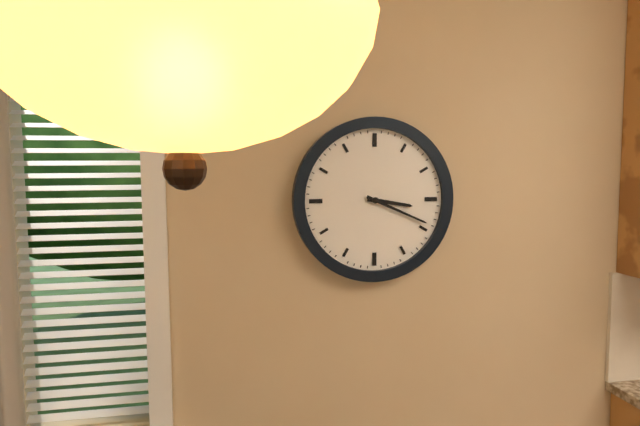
3h19
